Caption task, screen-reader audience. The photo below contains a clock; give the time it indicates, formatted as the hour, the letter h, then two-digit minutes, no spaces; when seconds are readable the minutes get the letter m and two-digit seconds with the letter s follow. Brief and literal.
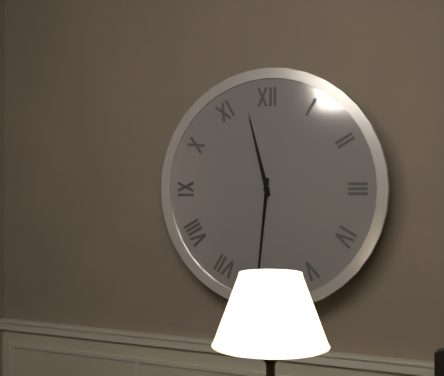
11h31
